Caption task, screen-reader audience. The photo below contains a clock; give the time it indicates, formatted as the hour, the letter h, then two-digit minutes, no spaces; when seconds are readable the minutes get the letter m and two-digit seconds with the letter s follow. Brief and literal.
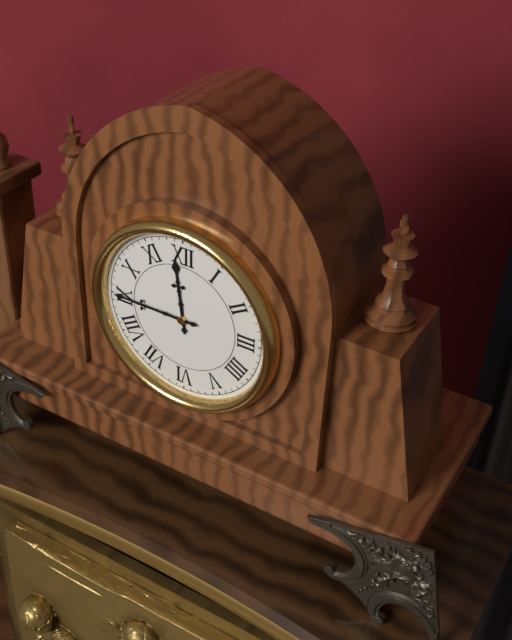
11h45
